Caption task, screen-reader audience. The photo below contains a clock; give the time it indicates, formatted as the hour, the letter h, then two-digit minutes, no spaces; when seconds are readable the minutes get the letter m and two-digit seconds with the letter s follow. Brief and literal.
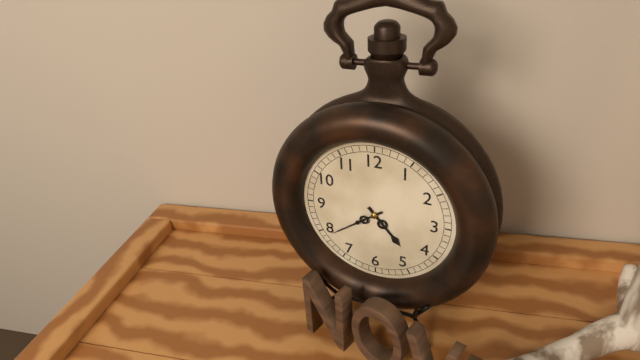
4h39
